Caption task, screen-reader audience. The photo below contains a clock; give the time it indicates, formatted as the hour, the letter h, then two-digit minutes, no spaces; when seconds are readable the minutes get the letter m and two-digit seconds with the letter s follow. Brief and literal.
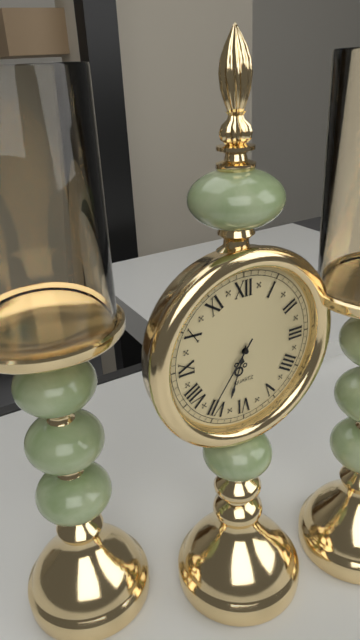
6h36
